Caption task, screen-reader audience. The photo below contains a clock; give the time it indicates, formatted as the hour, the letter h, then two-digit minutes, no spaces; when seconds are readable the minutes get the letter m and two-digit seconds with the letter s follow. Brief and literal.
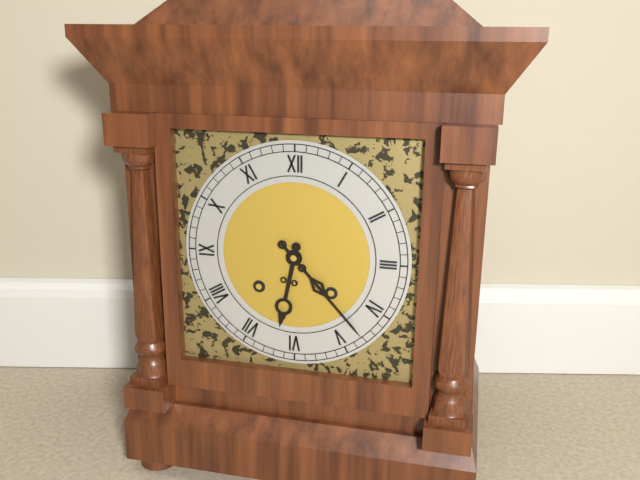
6h23
